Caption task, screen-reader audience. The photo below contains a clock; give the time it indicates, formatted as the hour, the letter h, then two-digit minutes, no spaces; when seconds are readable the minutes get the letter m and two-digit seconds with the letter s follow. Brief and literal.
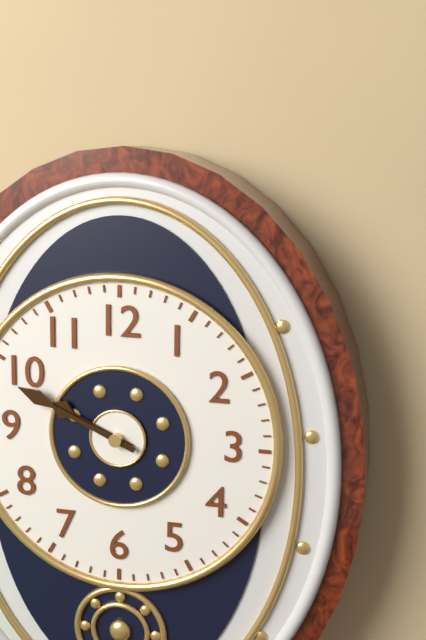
9h49
